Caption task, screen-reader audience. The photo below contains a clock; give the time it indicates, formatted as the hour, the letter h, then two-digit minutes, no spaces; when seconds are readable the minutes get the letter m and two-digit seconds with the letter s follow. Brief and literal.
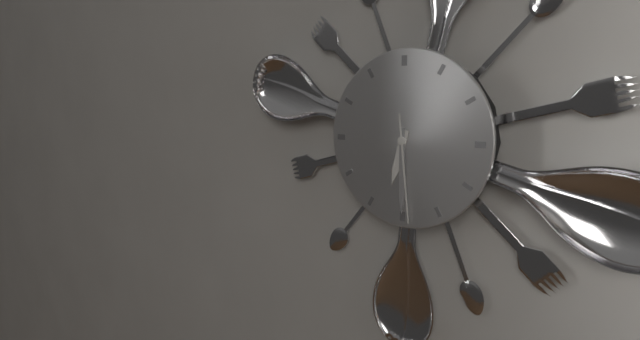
6h30m29s
